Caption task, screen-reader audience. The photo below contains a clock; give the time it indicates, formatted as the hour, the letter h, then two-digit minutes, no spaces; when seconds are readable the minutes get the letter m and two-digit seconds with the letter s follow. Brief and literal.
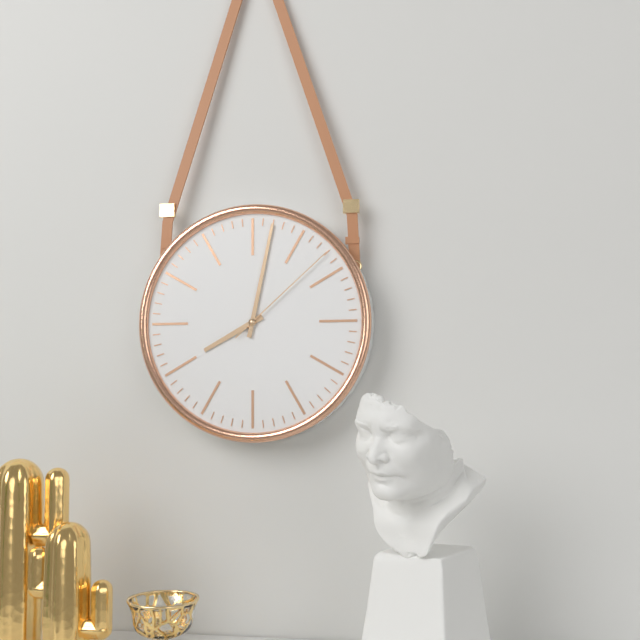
8h02m08s
